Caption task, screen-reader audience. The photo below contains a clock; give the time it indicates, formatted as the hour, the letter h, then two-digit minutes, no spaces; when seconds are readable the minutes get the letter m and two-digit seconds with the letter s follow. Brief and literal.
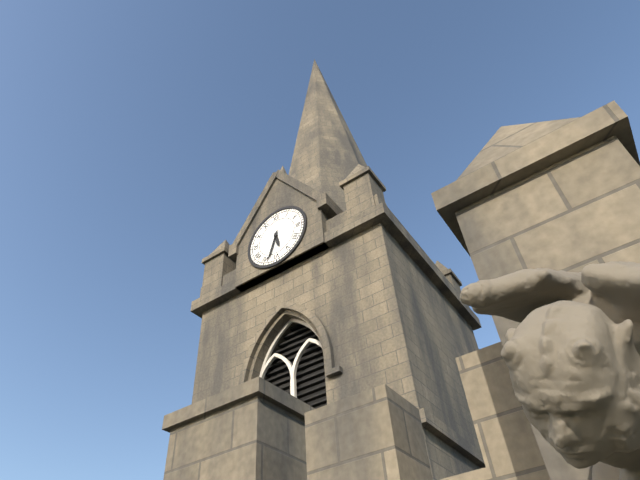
5h33
